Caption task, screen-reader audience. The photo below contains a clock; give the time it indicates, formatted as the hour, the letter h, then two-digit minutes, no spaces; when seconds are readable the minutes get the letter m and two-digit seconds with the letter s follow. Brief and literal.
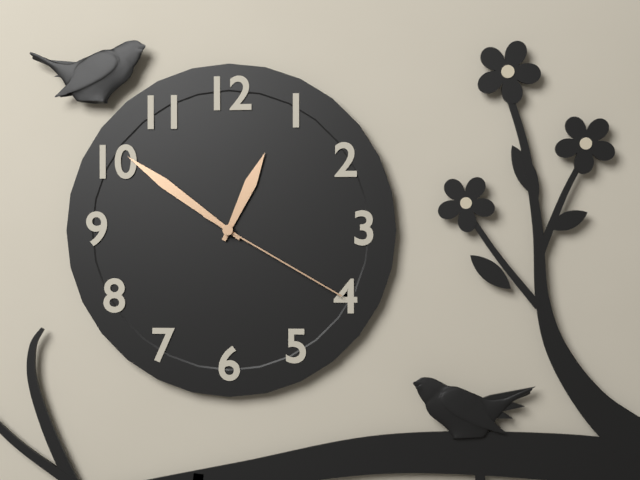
12h51m20s
